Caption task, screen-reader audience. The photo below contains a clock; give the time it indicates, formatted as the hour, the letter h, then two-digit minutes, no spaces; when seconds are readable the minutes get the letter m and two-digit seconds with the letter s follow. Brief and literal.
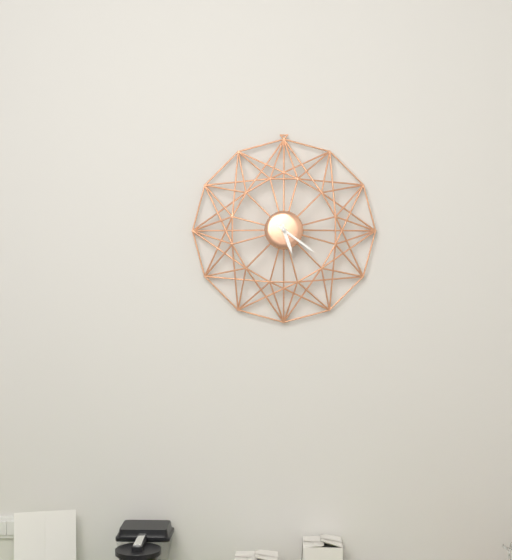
5h21
